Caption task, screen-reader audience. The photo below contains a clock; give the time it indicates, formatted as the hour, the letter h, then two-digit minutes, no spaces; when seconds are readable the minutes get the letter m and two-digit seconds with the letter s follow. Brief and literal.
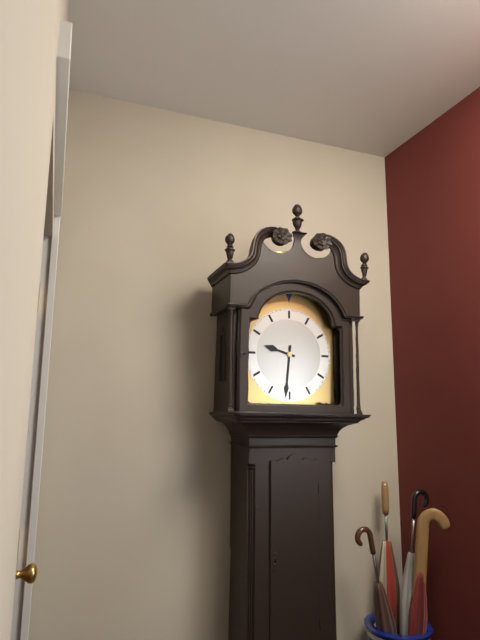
9h31
